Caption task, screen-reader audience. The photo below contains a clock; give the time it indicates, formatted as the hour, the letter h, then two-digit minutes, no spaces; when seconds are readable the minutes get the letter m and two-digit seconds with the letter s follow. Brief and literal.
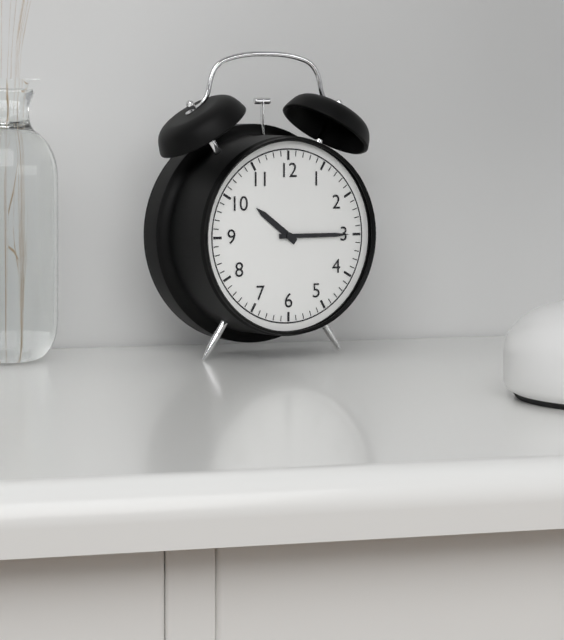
10h15
